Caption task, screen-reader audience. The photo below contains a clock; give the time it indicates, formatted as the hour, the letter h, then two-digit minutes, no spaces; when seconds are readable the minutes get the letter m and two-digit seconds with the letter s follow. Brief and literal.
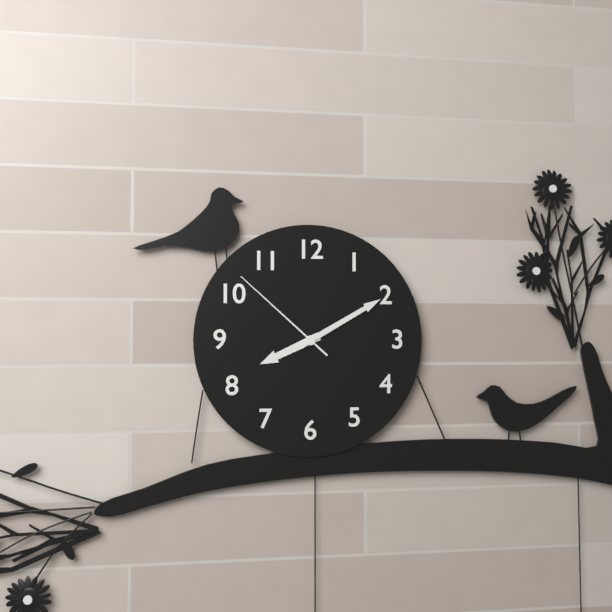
8h10m52s
